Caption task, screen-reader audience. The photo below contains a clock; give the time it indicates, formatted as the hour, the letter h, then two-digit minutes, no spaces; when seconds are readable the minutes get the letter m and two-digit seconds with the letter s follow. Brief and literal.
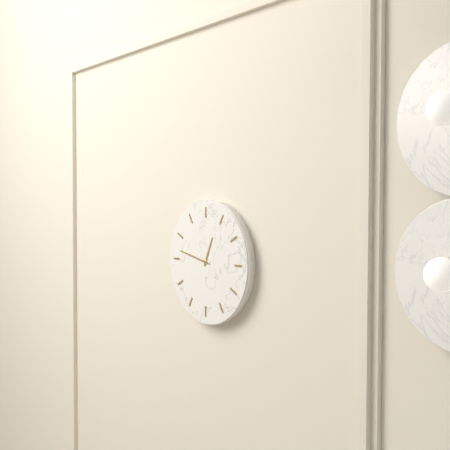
12h47
